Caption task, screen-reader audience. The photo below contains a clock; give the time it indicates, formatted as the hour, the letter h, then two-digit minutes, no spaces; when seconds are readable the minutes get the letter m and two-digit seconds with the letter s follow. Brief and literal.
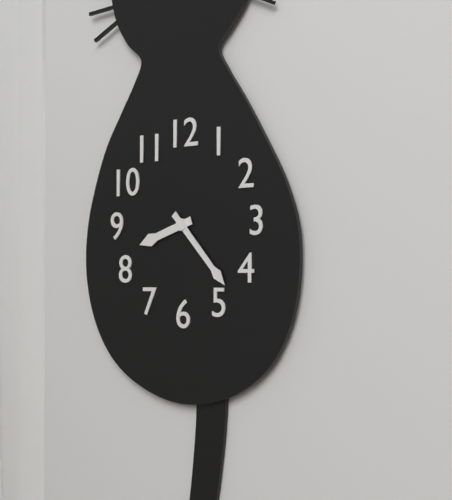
8h23
